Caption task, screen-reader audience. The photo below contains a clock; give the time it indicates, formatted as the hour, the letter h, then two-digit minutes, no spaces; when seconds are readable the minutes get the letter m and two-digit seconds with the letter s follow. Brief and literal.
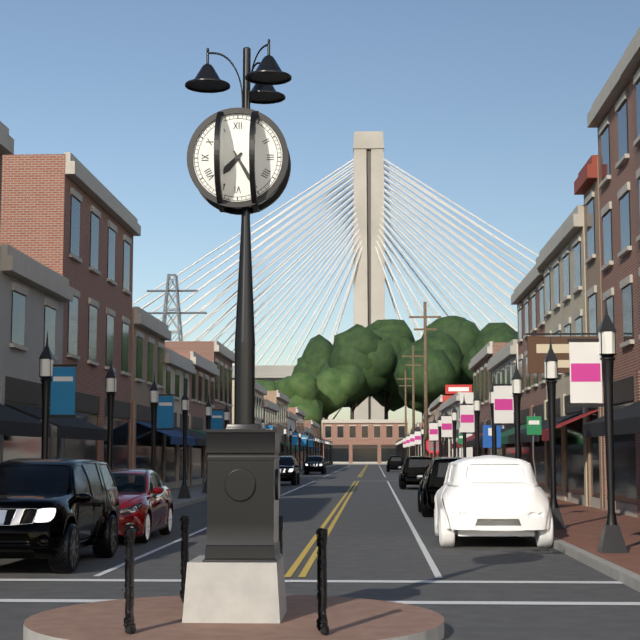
7h25
